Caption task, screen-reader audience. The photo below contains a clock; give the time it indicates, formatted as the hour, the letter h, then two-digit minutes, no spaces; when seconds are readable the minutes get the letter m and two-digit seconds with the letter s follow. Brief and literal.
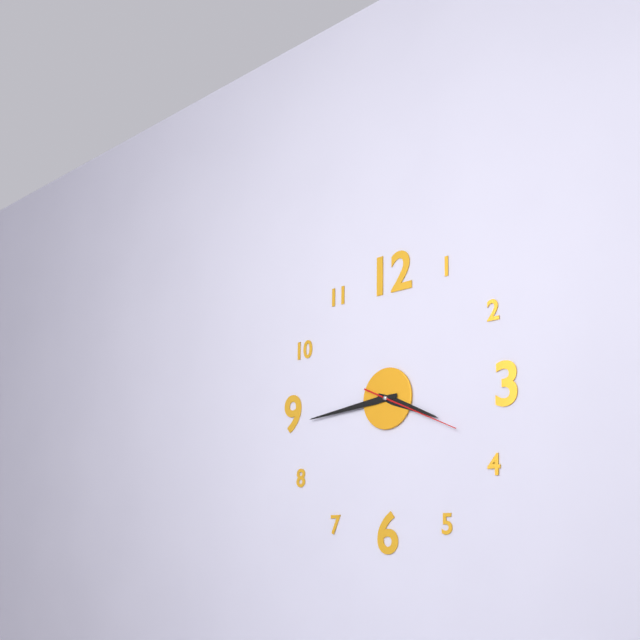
3h44m19s
